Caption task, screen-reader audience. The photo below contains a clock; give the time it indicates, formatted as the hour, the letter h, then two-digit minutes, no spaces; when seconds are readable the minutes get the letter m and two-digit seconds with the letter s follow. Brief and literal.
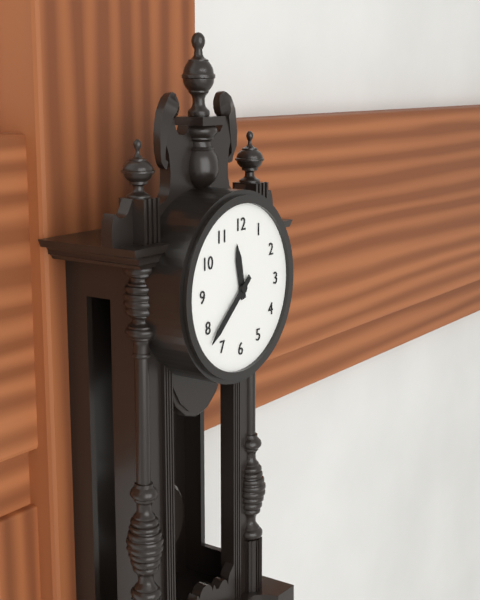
11h38
